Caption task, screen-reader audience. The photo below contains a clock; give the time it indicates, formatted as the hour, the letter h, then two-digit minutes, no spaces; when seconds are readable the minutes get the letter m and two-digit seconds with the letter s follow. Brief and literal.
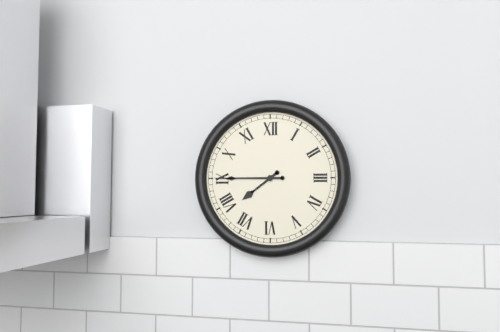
7h45
